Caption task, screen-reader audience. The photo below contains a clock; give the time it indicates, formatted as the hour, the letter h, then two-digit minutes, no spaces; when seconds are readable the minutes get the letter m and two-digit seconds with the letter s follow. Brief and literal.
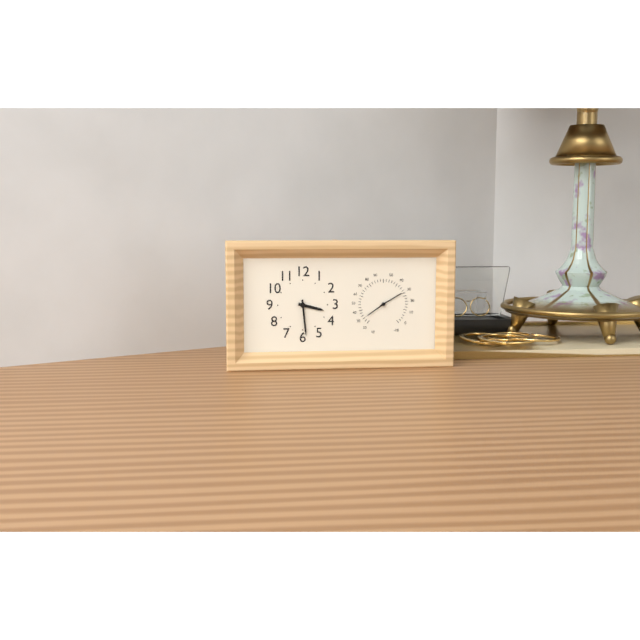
3h29
